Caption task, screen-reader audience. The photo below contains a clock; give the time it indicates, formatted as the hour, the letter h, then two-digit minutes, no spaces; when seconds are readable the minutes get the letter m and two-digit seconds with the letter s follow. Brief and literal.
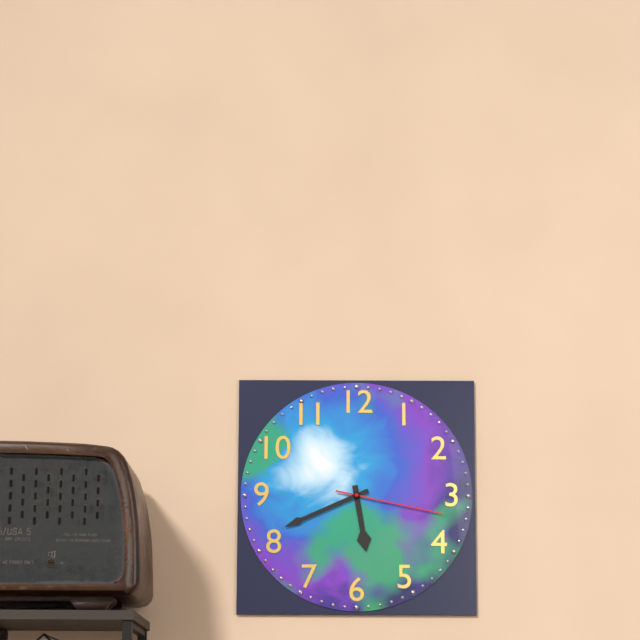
5h41m17s
